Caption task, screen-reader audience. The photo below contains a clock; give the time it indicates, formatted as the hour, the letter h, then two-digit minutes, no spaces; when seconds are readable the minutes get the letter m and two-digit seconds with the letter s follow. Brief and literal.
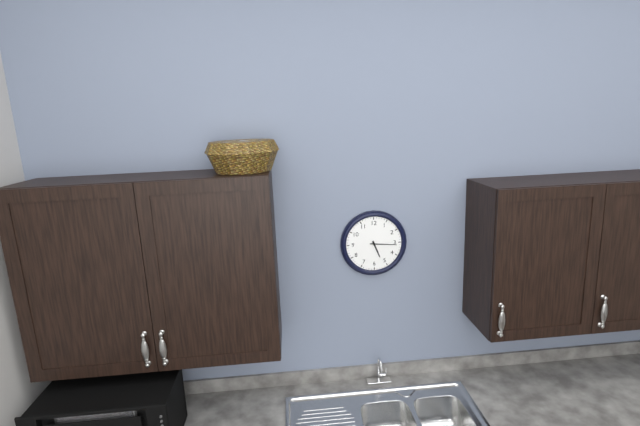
5h16
